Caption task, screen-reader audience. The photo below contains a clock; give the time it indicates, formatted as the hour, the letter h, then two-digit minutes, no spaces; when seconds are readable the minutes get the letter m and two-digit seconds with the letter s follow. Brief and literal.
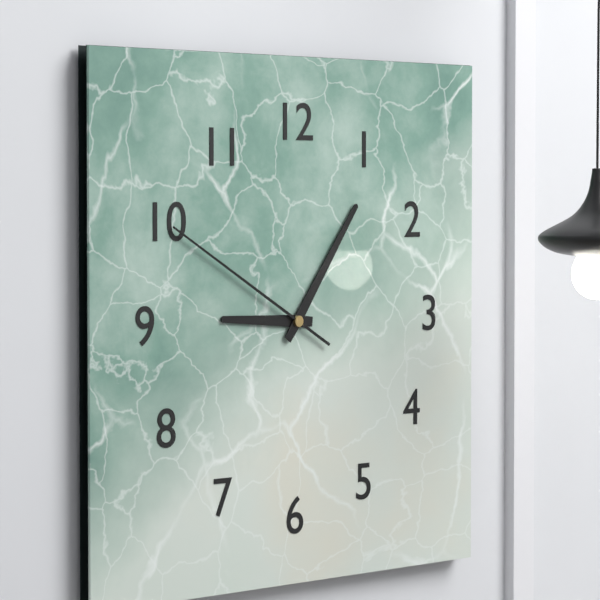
9h06m50s
